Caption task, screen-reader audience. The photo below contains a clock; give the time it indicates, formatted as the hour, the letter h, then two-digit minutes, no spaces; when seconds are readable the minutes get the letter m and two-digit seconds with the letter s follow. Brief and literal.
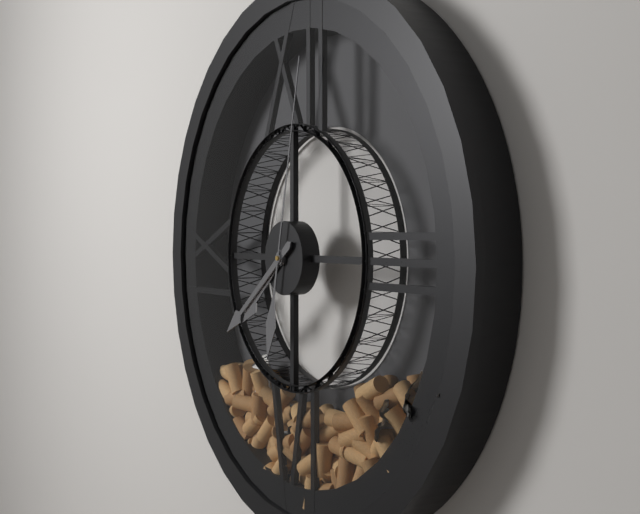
7h39m02s
